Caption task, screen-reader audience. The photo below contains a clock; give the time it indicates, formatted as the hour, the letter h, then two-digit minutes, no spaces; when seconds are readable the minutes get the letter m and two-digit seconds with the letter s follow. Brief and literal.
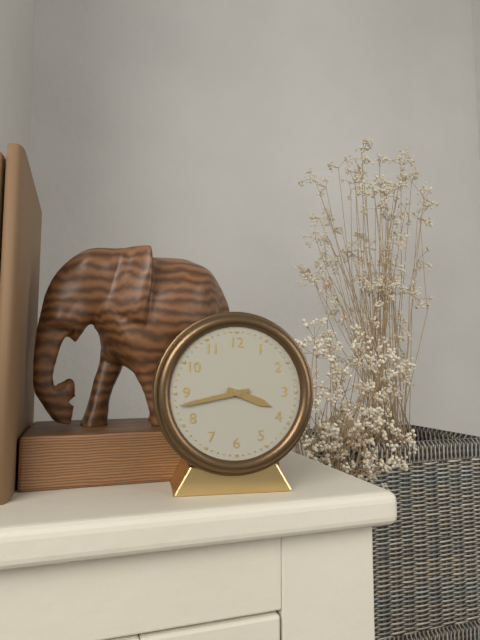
3h43
